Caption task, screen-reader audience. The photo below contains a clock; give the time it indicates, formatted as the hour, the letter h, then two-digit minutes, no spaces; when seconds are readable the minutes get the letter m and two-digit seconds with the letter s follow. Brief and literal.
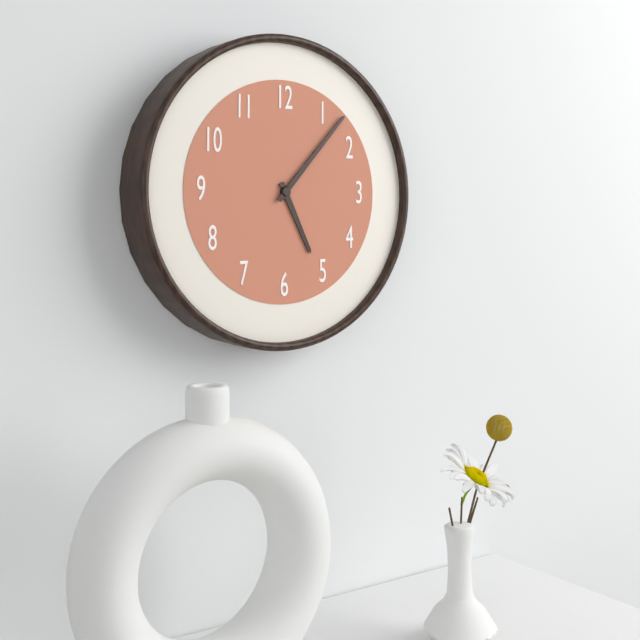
5h07
